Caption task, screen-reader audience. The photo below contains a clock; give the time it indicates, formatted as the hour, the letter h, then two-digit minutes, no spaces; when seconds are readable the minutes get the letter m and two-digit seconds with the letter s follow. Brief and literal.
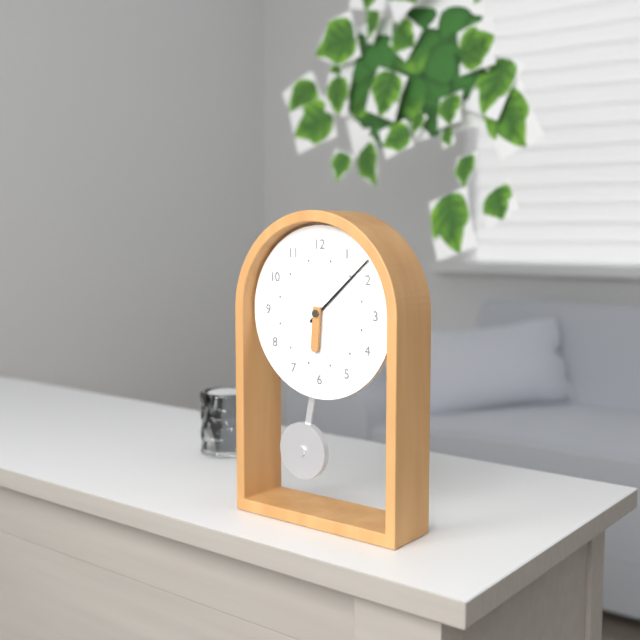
6h08
